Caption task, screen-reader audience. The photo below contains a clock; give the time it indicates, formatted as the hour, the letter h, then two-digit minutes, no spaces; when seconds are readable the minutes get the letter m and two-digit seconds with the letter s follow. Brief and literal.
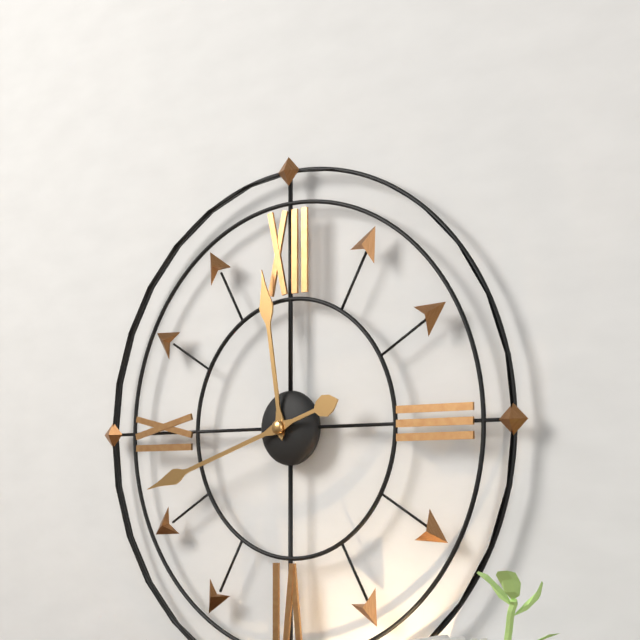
11h42
